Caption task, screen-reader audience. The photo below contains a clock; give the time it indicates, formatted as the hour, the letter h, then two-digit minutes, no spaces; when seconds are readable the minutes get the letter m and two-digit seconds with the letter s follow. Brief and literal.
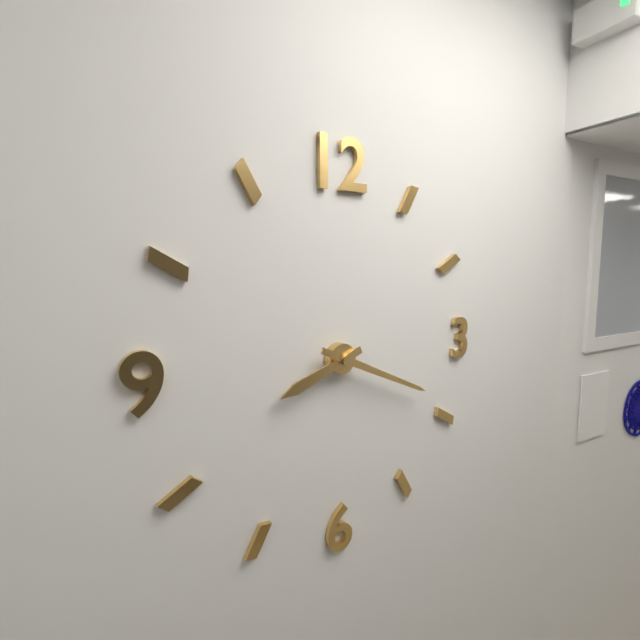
8h19
